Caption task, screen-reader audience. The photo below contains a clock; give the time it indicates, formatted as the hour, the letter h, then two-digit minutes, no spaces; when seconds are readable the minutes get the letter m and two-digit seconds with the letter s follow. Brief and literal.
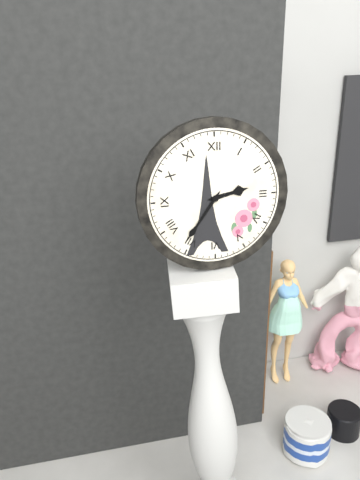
2h36
